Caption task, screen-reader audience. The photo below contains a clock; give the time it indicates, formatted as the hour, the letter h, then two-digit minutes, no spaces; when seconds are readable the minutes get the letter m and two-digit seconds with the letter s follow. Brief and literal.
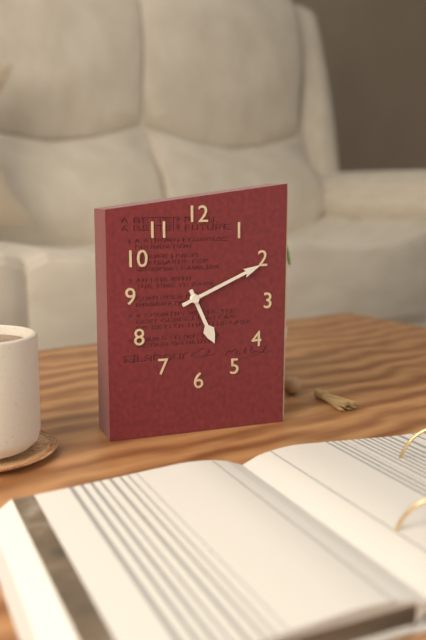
5h11
